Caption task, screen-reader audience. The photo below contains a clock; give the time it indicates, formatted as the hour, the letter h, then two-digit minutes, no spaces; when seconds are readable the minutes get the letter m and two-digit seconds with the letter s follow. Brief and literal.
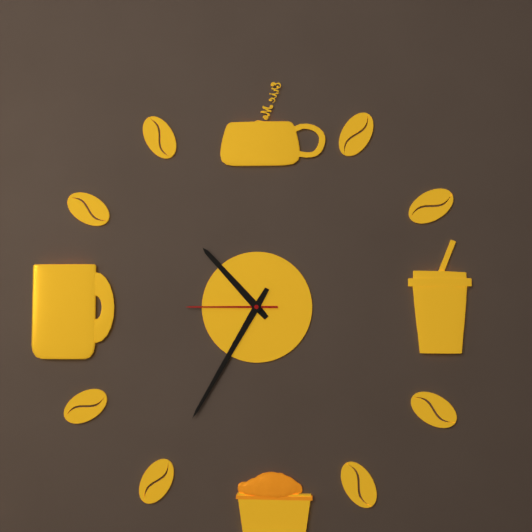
10h35m45s
